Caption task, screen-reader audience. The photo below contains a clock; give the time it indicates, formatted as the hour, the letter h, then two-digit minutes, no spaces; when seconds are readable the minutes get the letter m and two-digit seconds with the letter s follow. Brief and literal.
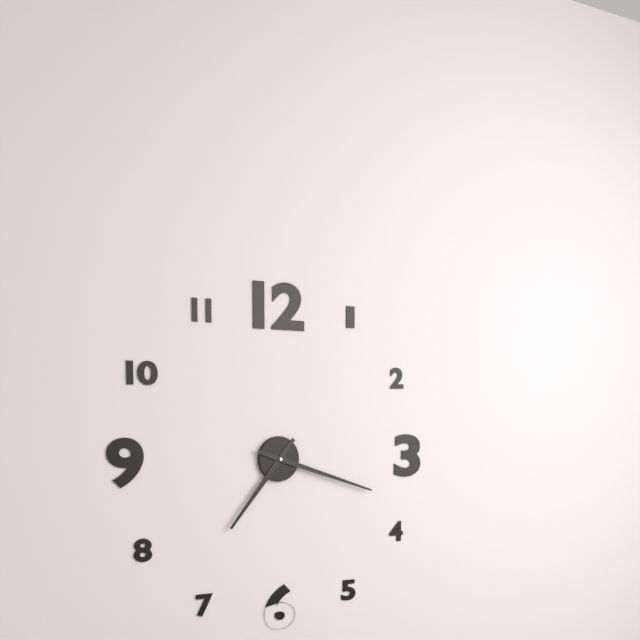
7h18
